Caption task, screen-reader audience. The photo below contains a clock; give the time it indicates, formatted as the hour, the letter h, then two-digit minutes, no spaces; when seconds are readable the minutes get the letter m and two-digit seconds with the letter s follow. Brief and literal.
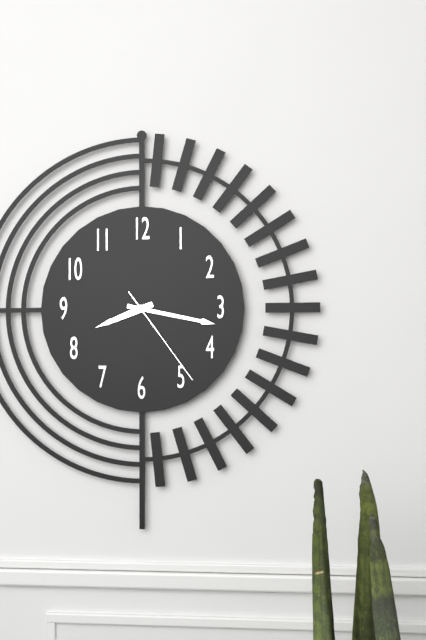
8h17m24s
